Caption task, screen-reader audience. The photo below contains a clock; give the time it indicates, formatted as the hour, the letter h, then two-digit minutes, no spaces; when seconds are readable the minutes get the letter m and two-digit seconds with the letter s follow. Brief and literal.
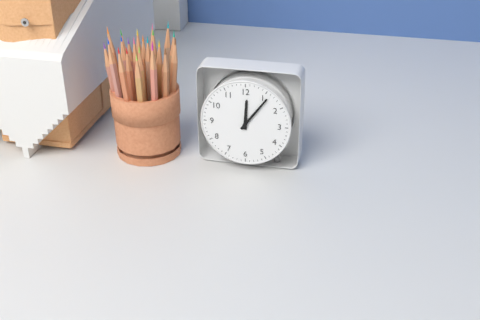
12h06
